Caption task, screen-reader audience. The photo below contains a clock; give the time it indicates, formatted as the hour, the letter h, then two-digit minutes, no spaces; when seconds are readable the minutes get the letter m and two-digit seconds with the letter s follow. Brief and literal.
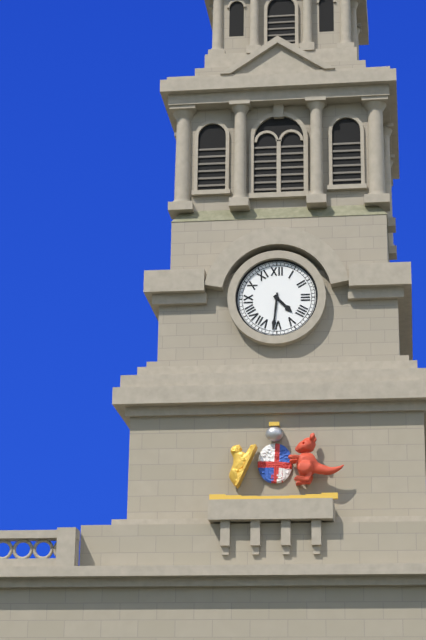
4h31
